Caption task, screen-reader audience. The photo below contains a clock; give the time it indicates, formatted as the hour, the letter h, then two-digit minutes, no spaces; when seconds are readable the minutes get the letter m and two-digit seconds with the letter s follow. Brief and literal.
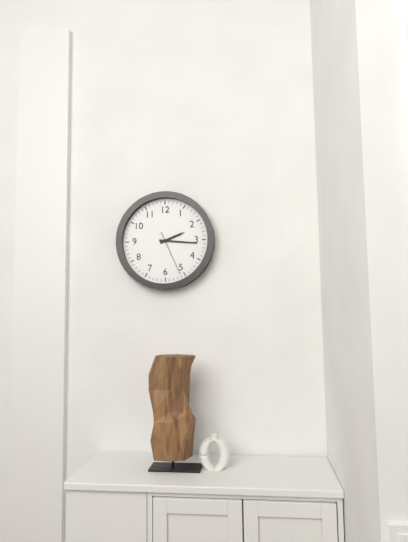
2h16
